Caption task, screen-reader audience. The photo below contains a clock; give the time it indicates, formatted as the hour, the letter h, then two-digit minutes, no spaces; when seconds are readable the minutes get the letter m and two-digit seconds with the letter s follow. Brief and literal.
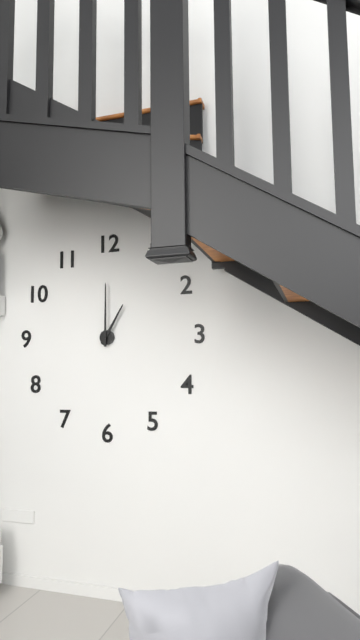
1h00
